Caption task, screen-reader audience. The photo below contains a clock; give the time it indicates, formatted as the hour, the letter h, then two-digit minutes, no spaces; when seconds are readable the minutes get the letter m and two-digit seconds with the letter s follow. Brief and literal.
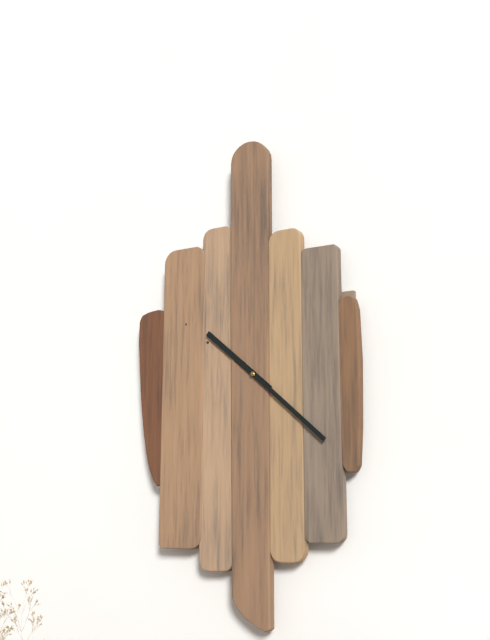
10h22
